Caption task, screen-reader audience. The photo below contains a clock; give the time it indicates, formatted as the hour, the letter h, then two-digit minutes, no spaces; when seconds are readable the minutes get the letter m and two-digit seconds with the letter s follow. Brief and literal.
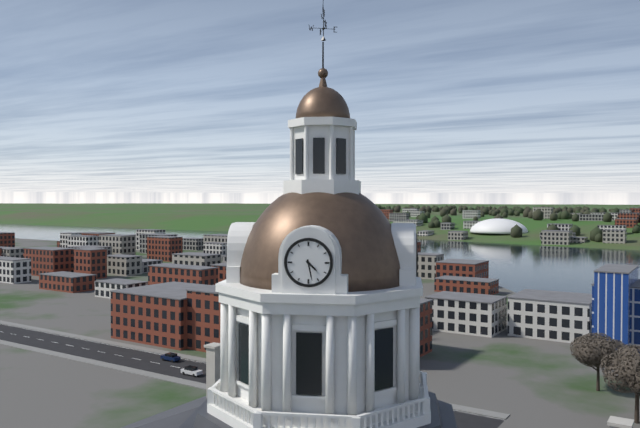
4h28
